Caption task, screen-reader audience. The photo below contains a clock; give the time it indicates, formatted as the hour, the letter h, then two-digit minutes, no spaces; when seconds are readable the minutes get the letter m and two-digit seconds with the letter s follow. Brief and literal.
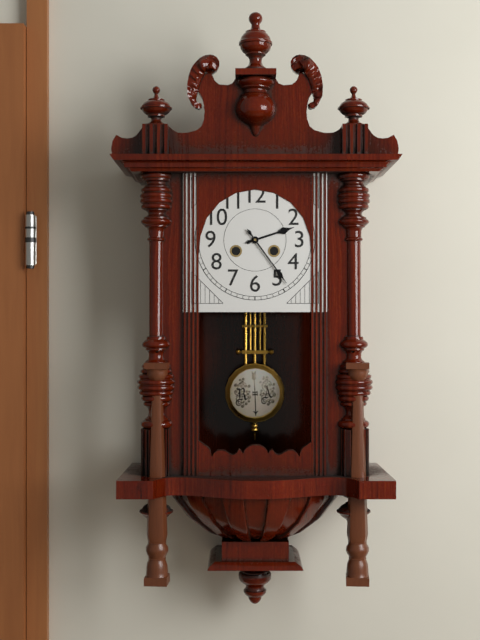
2h24
